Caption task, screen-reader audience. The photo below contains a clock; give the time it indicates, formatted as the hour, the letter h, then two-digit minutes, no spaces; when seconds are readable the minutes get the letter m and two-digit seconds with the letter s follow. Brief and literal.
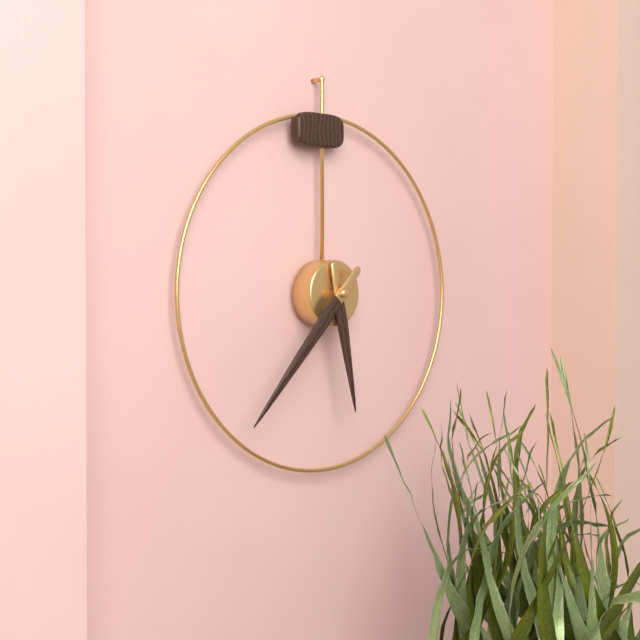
5h37
